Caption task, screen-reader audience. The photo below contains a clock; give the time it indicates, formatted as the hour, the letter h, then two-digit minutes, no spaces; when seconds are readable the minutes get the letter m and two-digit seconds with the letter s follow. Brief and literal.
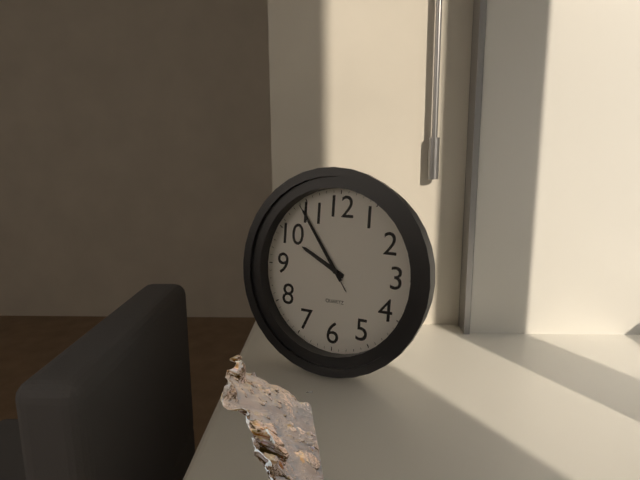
9h54m54s
